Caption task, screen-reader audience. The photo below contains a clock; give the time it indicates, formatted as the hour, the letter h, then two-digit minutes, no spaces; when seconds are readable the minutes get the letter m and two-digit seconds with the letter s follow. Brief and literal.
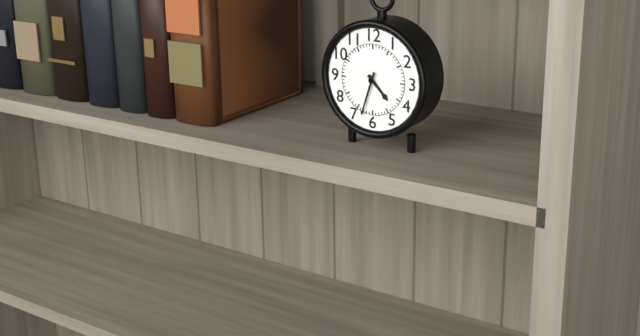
4h33
